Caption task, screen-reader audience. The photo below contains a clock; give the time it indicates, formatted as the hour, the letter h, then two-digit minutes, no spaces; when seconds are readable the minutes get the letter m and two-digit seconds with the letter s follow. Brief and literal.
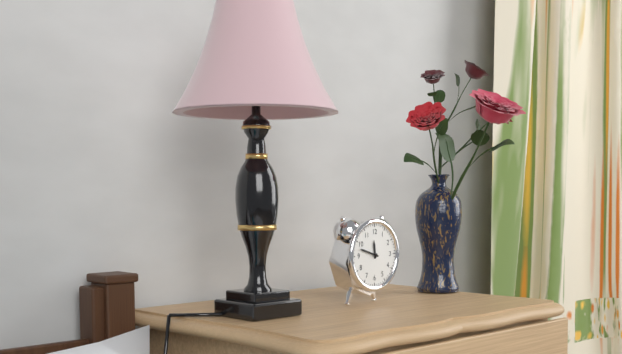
11h48
